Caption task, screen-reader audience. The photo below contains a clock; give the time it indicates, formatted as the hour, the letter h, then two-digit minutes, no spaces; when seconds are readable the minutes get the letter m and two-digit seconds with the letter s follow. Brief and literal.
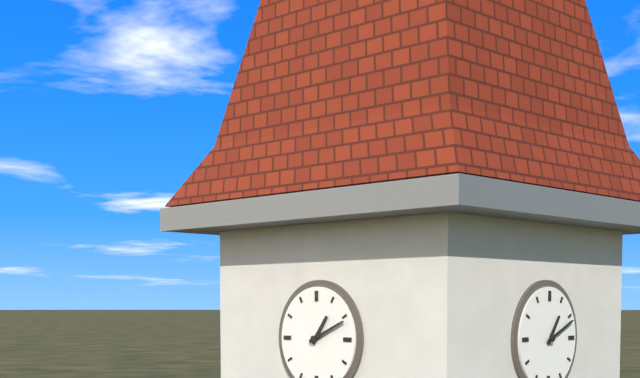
1h11
